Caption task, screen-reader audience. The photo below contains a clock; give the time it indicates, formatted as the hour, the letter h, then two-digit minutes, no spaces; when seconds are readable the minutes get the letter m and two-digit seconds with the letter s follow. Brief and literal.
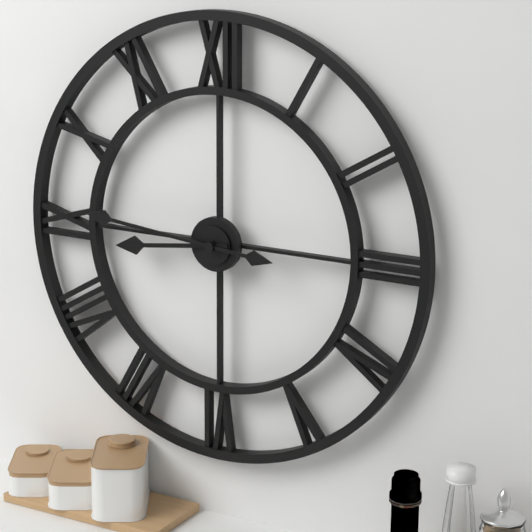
8h46
